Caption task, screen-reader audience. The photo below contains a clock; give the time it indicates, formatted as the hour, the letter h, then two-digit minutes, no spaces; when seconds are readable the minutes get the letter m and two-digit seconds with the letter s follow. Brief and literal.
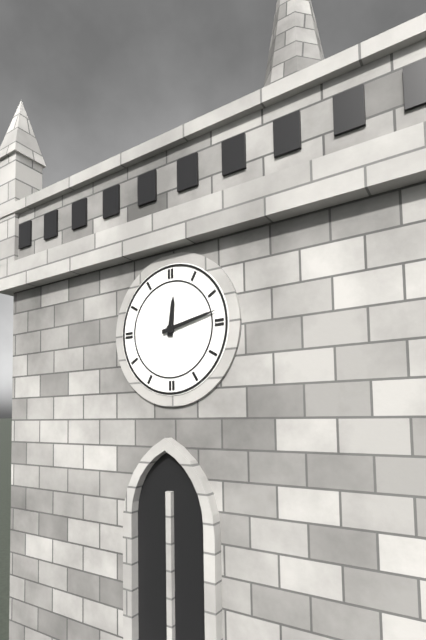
12h13
